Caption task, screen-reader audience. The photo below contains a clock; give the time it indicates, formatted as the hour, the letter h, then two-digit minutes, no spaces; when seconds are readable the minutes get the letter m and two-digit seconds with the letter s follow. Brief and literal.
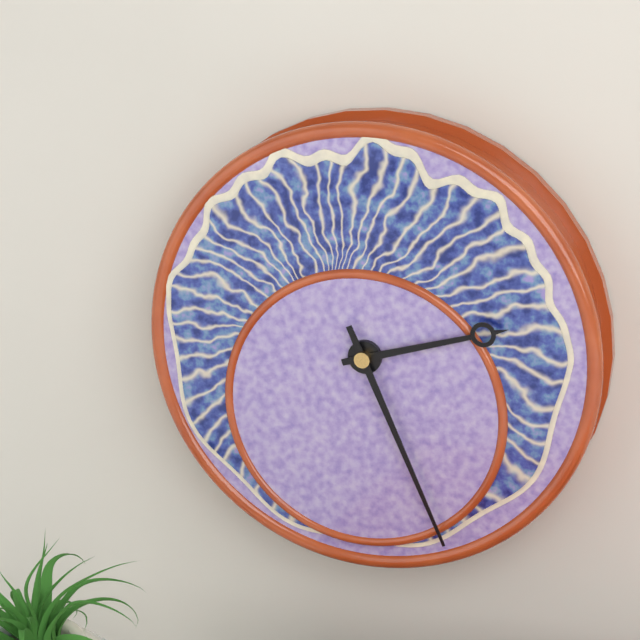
2h26
